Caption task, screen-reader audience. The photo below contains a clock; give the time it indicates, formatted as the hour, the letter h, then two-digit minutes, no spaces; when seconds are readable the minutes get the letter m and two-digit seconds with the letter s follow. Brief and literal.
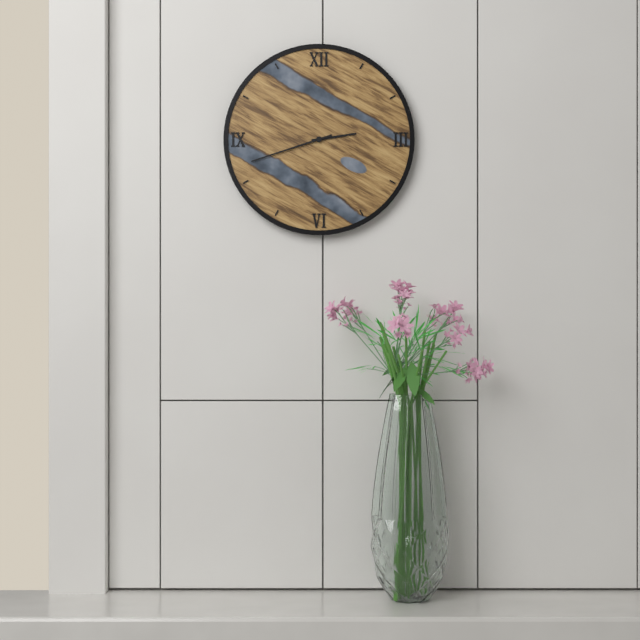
2h42
